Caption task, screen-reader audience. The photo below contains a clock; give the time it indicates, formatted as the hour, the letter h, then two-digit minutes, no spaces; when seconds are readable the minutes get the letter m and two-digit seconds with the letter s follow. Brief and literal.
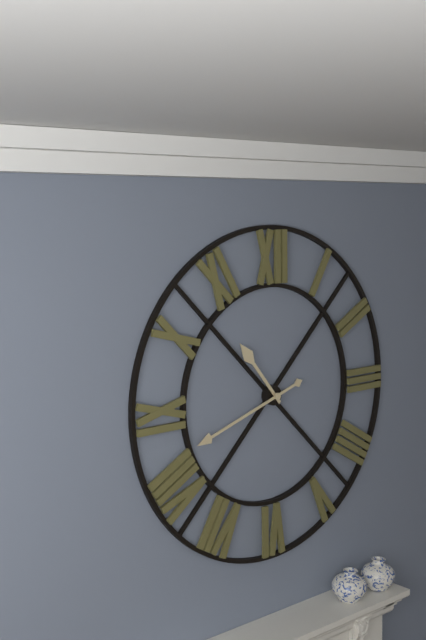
10h42
